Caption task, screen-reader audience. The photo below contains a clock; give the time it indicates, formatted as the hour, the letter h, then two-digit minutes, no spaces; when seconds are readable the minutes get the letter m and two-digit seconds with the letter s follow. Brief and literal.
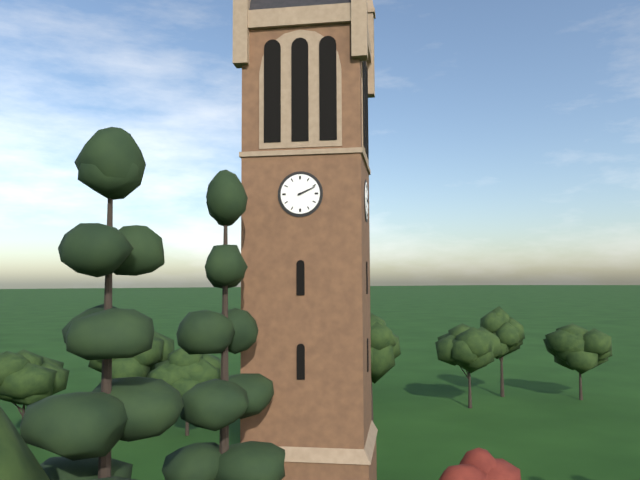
2h11
